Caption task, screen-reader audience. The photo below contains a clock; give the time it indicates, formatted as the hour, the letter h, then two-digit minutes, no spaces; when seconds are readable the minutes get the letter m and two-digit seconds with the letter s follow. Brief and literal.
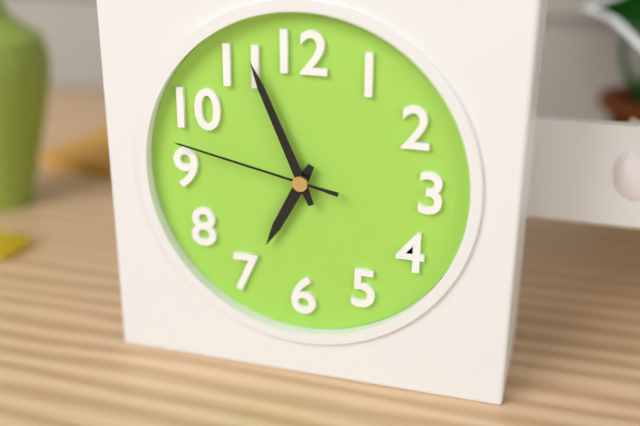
6h56m47s
